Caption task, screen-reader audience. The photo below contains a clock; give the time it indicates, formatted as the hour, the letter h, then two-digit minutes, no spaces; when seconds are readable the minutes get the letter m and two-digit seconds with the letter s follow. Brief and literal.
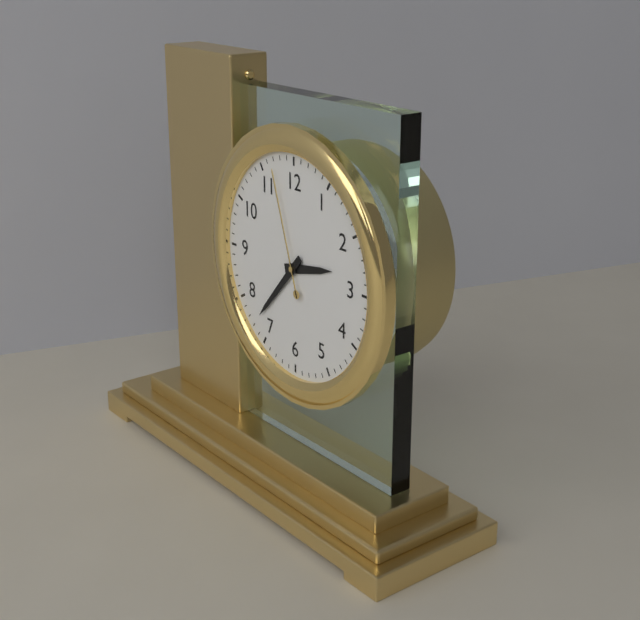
2h37m57s
